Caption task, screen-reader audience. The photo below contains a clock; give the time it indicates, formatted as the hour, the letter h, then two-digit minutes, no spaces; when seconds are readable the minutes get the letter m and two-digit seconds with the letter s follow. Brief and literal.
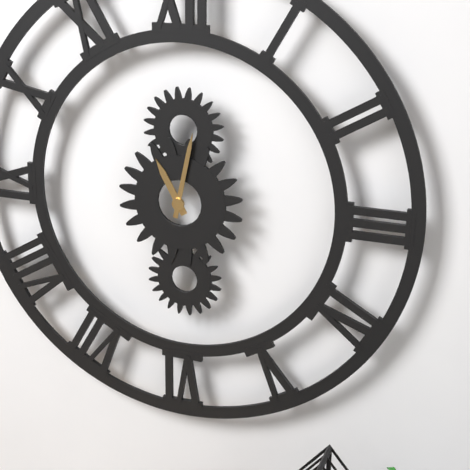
11h02
